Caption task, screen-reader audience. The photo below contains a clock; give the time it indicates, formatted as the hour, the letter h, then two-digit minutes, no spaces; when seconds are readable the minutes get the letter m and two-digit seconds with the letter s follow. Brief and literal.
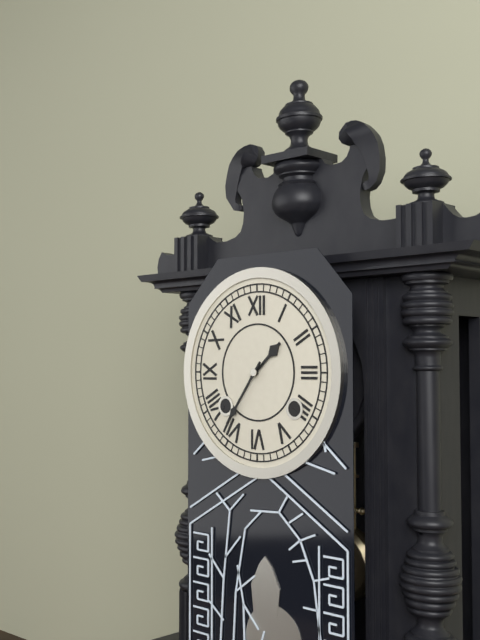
1h36
